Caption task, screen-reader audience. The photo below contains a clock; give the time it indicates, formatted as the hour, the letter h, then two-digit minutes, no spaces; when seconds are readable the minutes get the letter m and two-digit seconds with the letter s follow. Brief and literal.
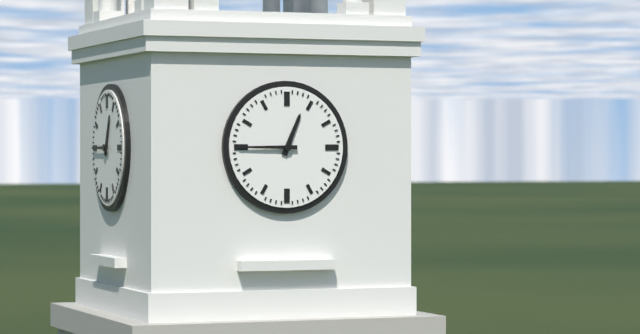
12h45
